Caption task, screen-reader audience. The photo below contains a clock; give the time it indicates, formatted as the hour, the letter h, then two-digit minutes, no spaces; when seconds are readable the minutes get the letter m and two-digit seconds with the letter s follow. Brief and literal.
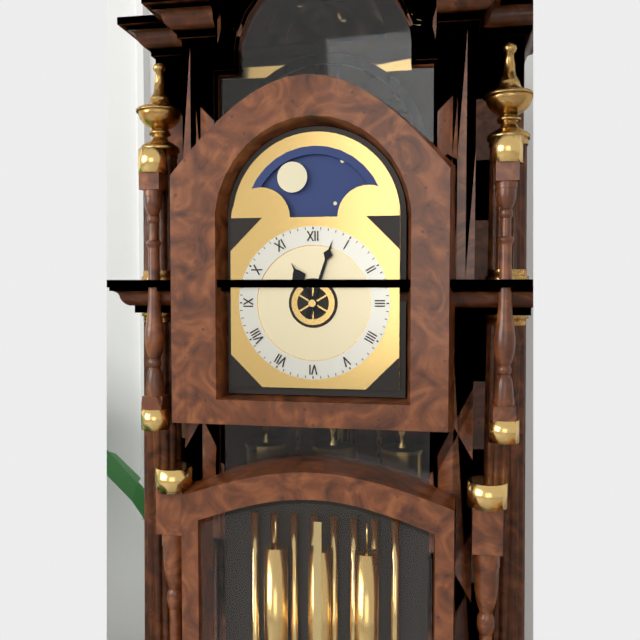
11h03
